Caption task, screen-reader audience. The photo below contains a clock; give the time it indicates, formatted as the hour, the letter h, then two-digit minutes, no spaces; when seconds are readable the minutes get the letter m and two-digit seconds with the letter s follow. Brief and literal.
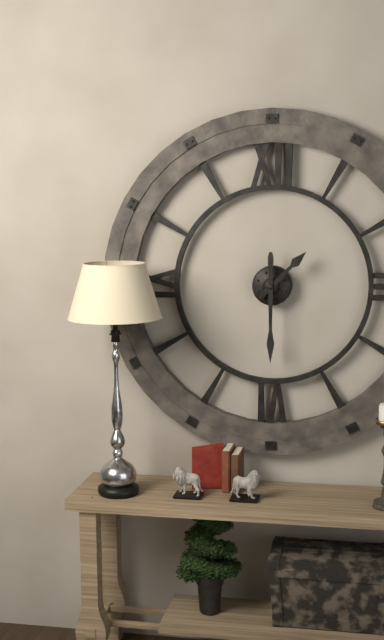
1h30
